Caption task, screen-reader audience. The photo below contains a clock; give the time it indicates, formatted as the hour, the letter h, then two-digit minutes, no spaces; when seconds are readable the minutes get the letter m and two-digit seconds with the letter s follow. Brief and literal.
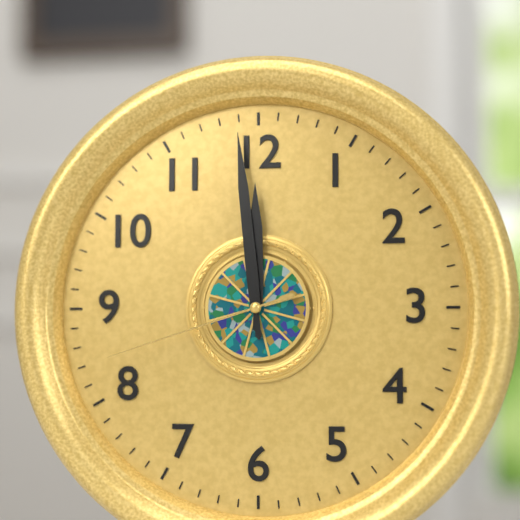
11h59m42s
